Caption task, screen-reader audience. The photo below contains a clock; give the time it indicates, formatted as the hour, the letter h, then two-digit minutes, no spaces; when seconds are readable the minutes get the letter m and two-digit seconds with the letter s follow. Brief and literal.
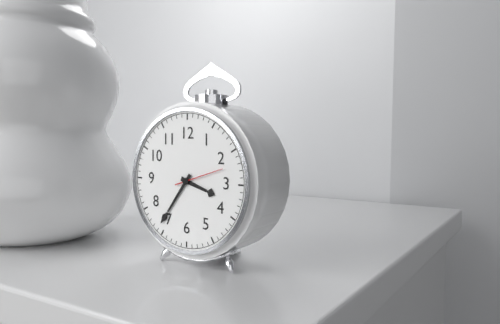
3h36
